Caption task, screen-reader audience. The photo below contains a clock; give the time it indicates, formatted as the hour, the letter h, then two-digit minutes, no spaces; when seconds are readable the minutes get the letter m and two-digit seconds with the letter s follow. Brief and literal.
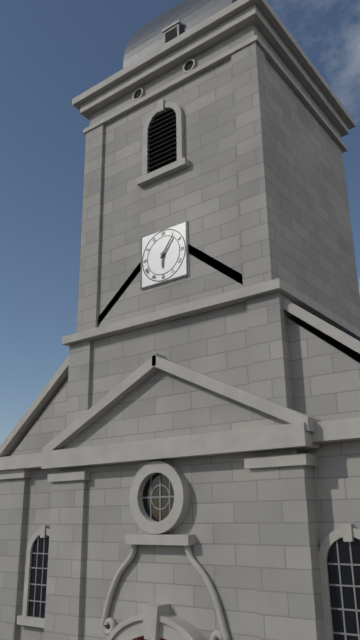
6h06
